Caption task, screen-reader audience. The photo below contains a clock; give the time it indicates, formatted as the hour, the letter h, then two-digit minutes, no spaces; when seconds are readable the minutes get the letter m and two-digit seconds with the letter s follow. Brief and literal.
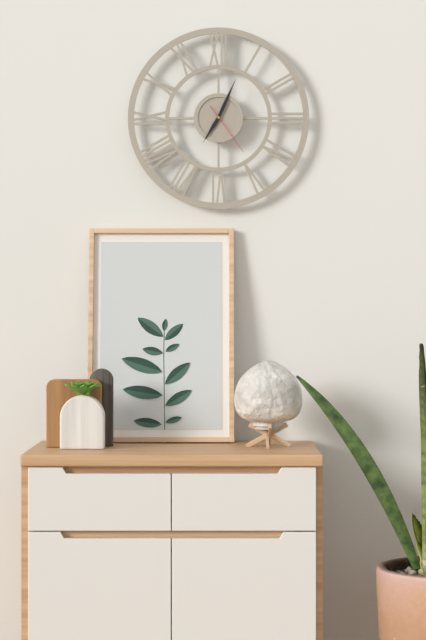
7h04m24s
